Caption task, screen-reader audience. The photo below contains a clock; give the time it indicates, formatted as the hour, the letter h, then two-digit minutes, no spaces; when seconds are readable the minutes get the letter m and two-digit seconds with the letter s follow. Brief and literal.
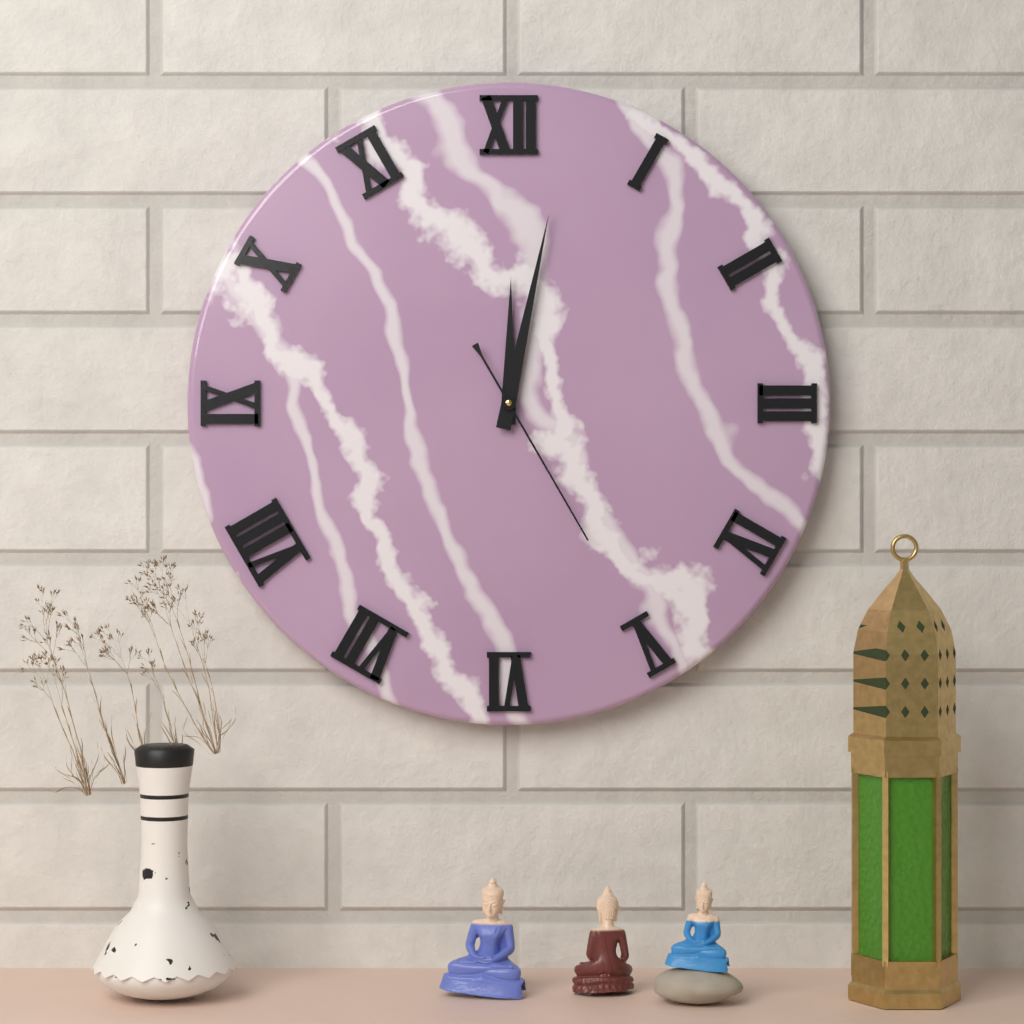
12h02m25s
